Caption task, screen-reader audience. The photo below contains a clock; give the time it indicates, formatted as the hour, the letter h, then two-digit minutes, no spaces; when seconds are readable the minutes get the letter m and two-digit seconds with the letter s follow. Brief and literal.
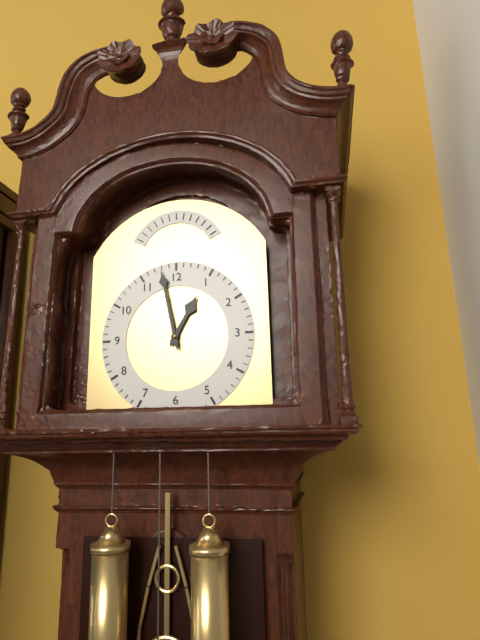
12h58
